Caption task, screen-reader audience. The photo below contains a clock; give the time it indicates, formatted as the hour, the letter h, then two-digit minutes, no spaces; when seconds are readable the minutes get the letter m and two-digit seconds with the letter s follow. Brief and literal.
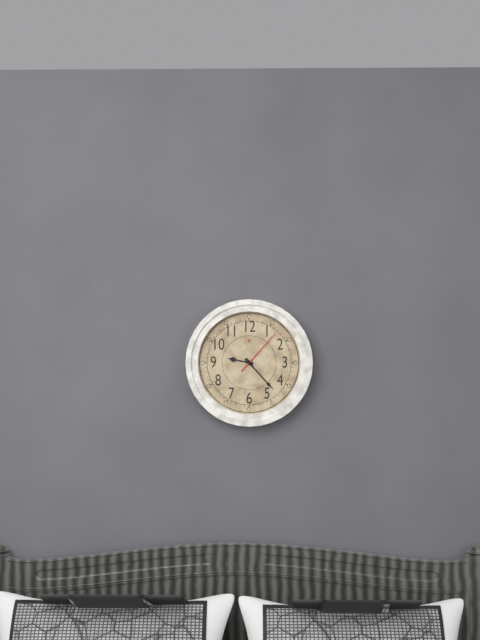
9h23m07s
